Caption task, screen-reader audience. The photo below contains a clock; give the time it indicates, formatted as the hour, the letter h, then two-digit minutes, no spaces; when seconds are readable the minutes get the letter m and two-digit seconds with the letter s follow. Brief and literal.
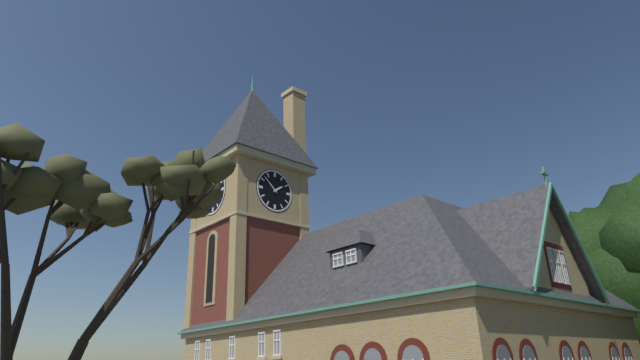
1h52
